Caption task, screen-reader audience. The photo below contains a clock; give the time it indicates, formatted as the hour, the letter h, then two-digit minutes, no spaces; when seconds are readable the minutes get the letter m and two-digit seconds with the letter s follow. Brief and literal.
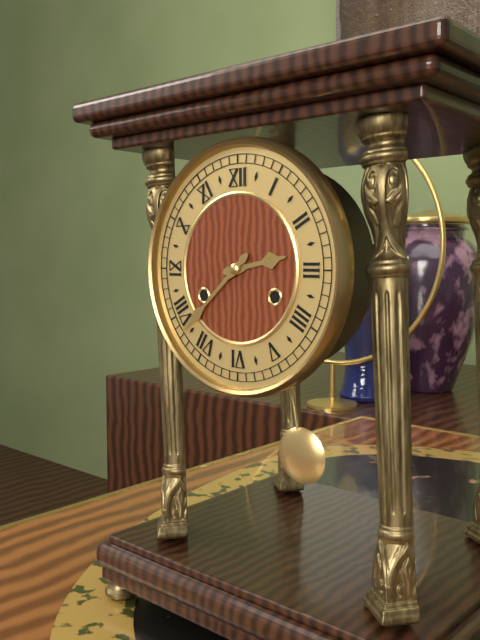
2h38
